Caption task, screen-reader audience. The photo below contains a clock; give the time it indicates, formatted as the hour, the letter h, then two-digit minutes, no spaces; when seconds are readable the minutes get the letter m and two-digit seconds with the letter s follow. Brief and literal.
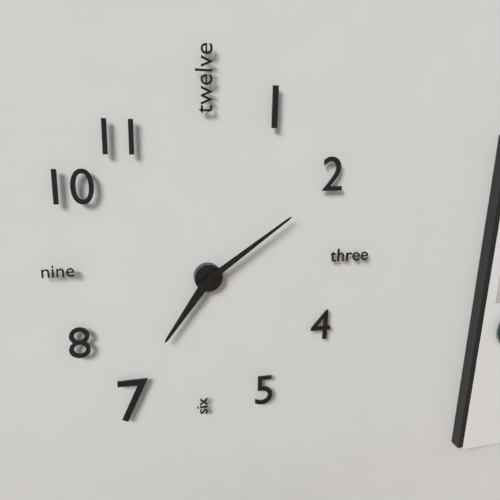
7h09
